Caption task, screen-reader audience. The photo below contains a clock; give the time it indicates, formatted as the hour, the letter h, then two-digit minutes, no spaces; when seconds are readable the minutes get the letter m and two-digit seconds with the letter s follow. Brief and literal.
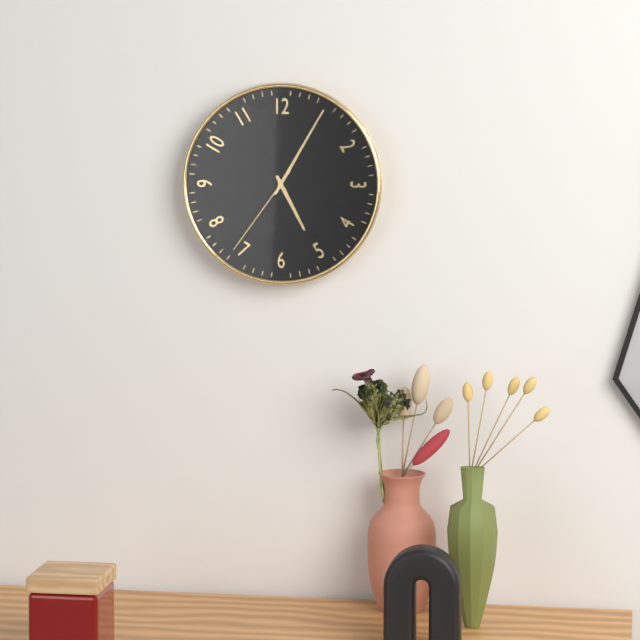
5h05m36s
